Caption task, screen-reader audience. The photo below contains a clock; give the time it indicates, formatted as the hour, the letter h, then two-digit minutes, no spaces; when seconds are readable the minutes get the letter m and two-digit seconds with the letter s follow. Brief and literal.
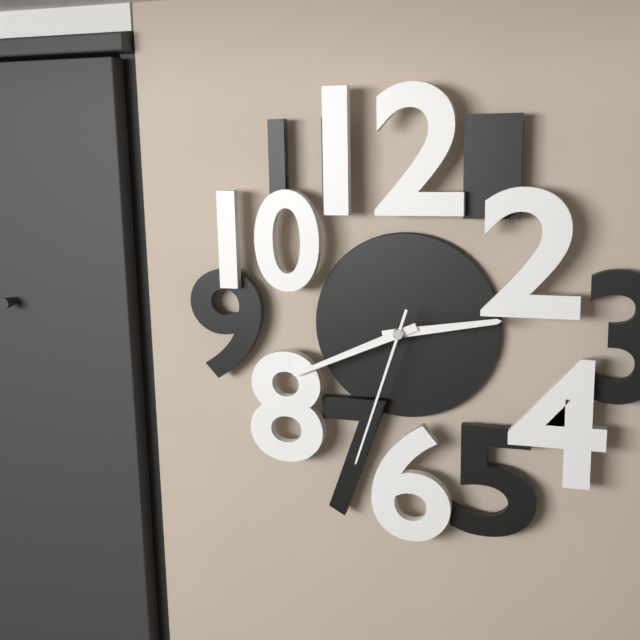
2h41m33s
